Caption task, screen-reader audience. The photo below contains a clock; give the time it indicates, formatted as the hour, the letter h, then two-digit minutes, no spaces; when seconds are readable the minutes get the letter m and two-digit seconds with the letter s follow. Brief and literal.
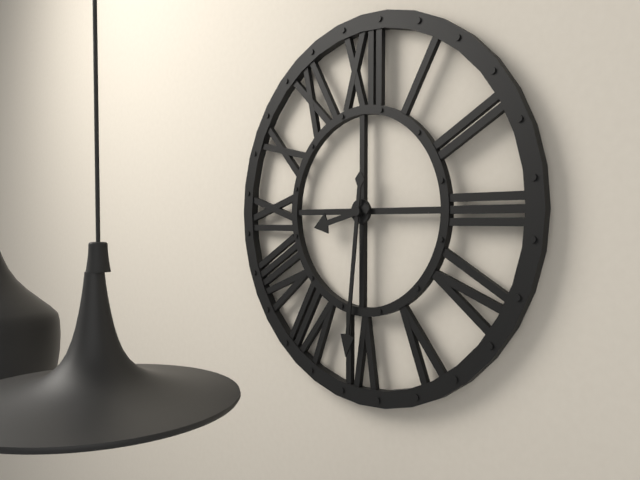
8h31
